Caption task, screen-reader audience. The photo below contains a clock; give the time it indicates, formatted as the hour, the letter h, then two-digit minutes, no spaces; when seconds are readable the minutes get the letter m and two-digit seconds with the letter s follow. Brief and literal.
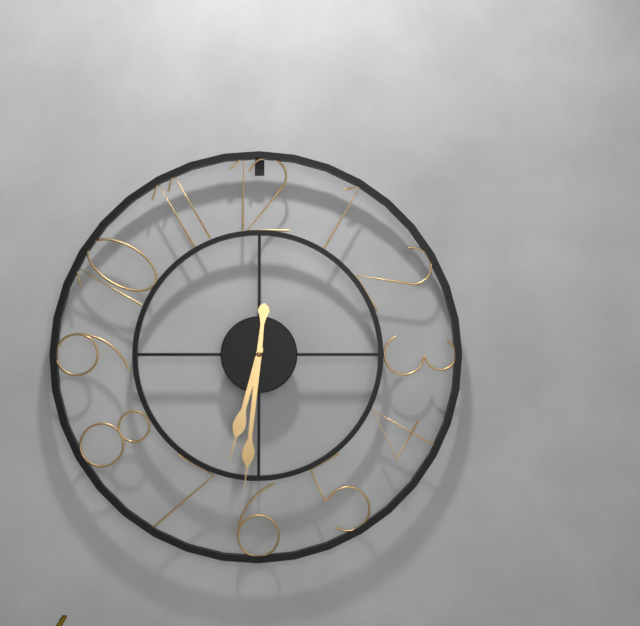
6h31
